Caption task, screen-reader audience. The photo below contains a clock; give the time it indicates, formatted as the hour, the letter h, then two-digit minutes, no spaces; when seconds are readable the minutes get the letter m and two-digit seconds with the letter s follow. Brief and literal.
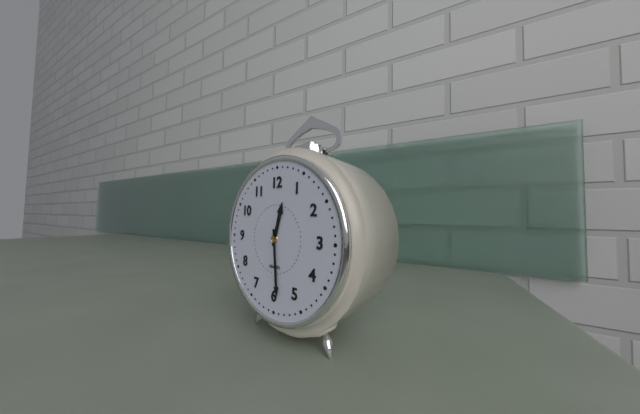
12h29
